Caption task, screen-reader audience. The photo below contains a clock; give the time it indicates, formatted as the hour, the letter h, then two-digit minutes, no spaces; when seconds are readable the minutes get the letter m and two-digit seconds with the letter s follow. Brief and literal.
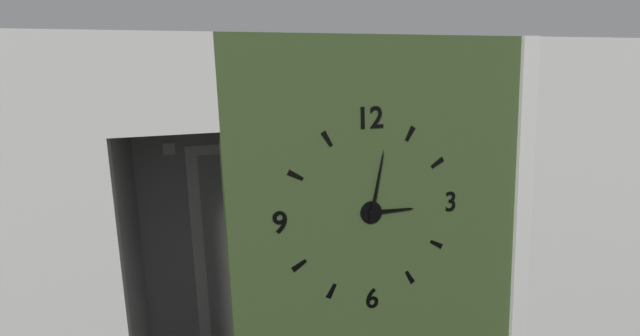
3h02
